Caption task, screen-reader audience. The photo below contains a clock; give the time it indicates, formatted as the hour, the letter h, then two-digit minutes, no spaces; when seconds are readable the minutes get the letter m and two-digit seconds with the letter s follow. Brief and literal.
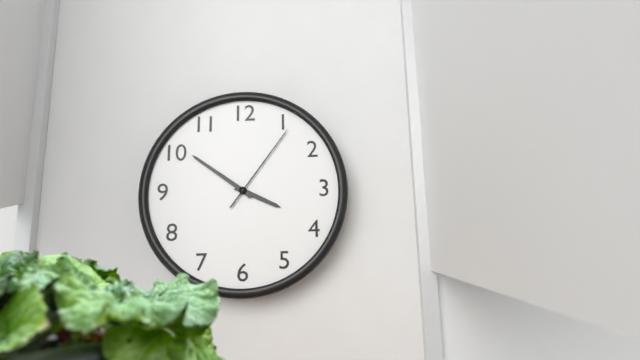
3h51m06s
